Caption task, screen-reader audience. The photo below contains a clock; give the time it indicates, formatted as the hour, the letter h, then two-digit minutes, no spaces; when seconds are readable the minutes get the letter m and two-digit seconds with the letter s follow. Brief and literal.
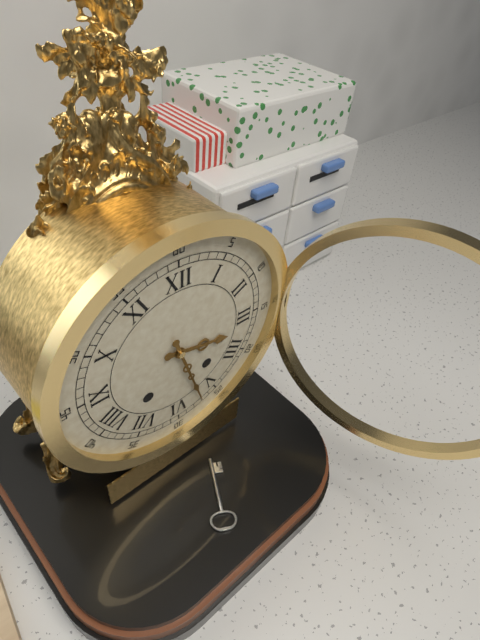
3h27
